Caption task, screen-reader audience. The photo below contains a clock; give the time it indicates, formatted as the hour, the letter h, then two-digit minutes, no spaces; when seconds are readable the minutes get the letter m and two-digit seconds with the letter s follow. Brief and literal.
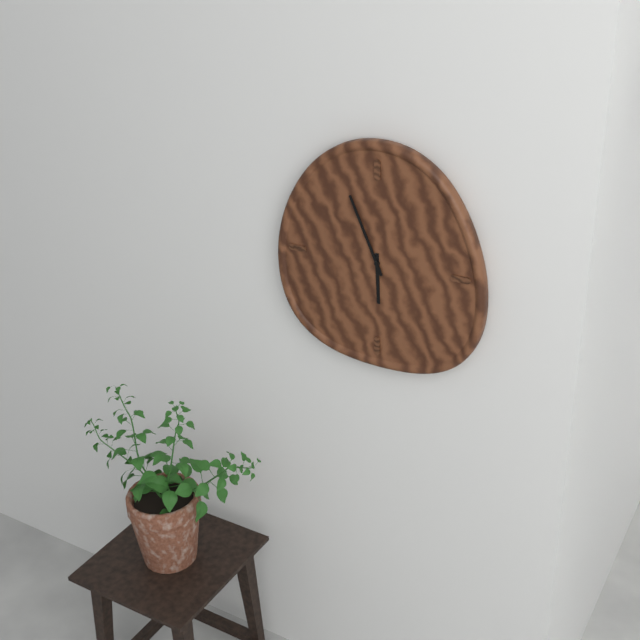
5h56
